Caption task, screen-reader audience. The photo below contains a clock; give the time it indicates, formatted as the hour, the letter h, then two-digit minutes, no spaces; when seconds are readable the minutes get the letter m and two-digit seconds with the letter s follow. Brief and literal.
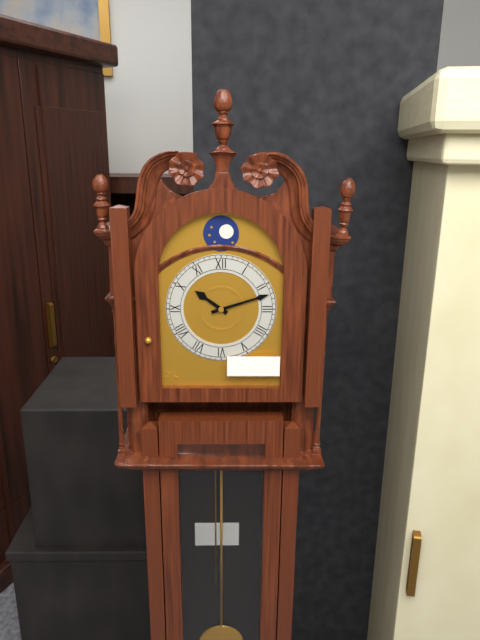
10h12
